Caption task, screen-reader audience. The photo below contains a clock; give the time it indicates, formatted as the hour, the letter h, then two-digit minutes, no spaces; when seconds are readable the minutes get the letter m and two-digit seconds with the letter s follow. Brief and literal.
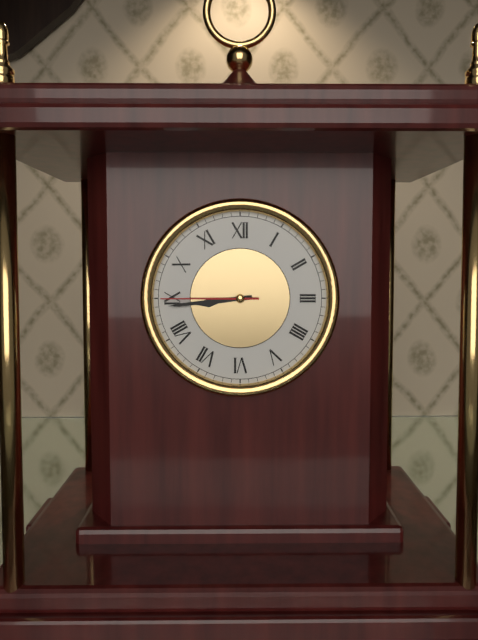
8h44m45s
